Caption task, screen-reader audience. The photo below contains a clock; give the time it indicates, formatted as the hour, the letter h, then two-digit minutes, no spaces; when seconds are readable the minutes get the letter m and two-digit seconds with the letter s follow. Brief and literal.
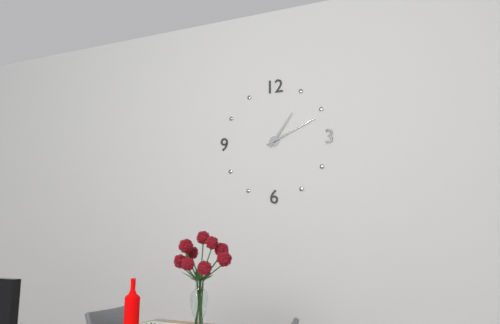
1h11
